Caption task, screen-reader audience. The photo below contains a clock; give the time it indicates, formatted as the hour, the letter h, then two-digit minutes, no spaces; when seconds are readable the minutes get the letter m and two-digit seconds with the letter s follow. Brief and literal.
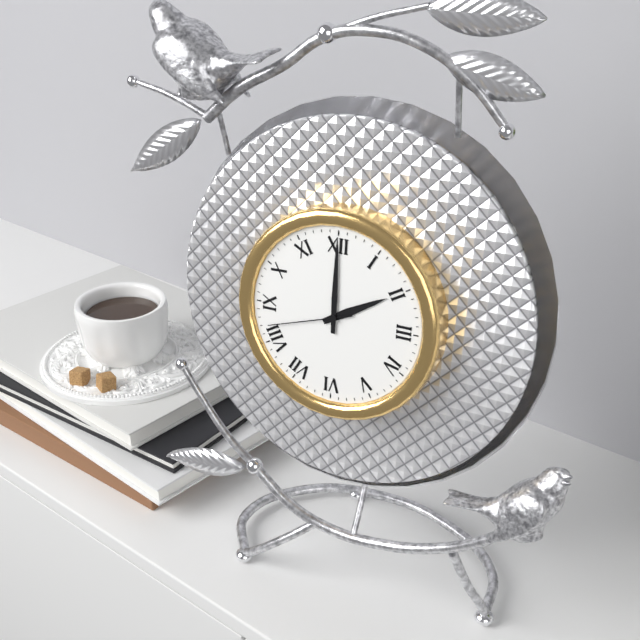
2h00m42s
